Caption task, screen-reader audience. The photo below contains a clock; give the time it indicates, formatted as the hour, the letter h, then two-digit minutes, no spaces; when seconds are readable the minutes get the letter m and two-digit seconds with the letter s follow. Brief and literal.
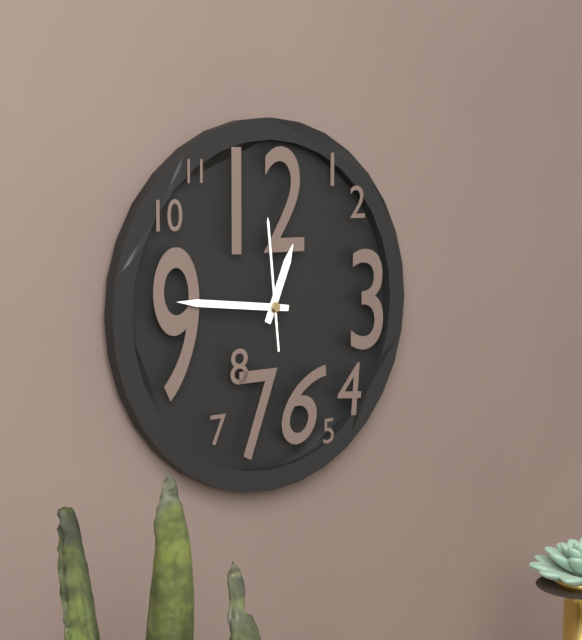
12h46m59s
